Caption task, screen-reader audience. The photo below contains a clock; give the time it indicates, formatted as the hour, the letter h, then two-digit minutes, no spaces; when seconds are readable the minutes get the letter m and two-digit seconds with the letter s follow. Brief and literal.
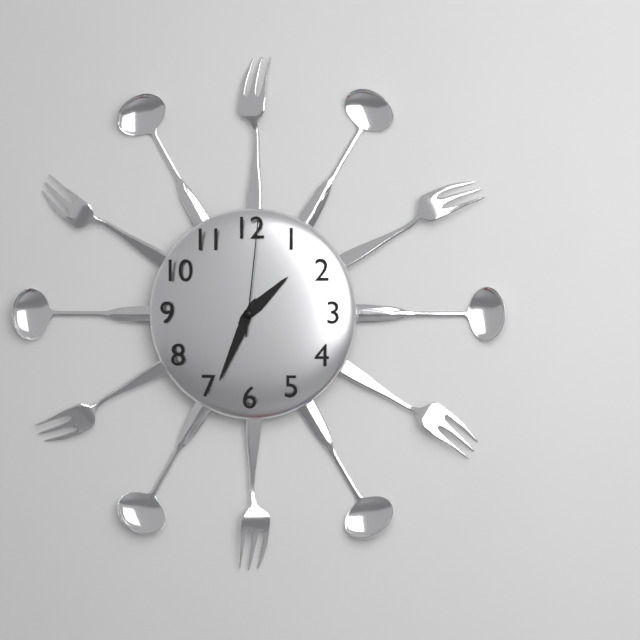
1h34m01s
